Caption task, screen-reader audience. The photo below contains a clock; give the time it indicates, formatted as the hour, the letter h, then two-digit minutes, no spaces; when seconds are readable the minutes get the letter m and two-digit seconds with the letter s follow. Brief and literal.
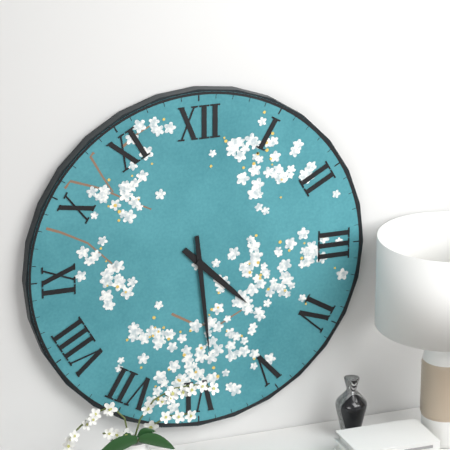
4h29
